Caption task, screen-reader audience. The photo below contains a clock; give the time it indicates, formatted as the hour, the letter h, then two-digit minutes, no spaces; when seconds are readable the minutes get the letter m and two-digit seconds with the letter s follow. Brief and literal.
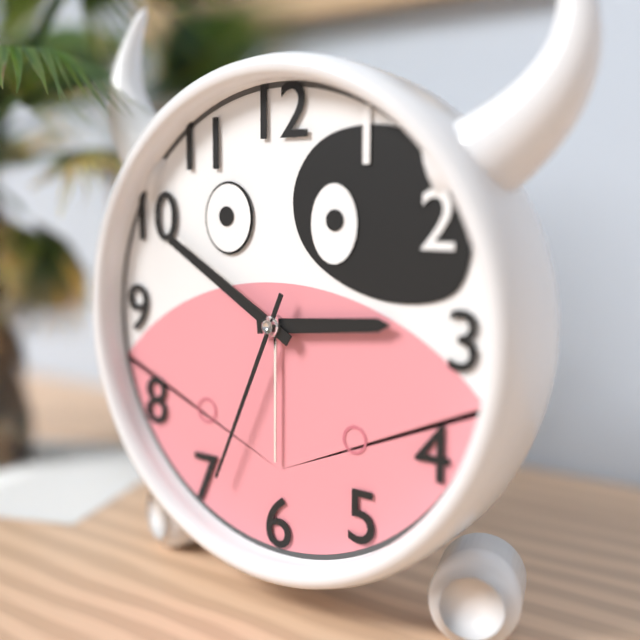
2h50m34s
